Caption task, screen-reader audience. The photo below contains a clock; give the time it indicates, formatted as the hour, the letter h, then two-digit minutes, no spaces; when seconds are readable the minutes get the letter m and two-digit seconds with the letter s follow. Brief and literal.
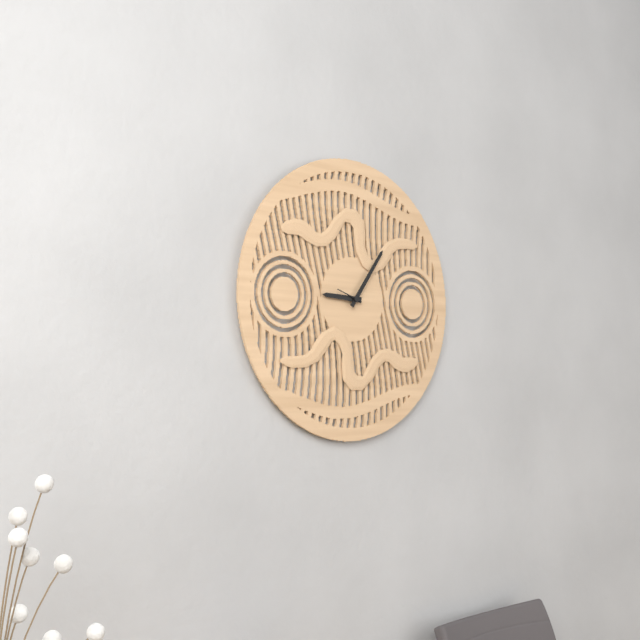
9h06
